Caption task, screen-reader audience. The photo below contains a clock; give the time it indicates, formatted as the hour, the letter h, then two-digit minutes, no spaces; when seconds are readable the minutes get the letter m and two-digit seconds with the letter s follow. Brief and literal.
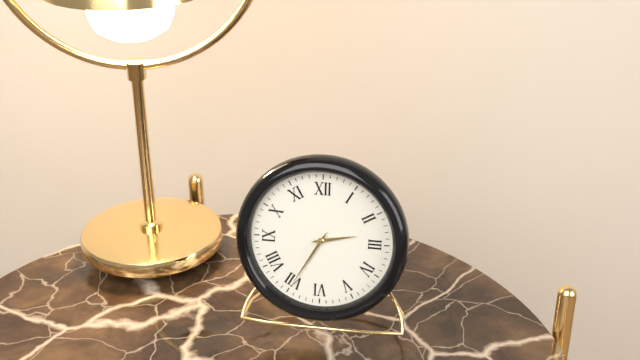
2h35
